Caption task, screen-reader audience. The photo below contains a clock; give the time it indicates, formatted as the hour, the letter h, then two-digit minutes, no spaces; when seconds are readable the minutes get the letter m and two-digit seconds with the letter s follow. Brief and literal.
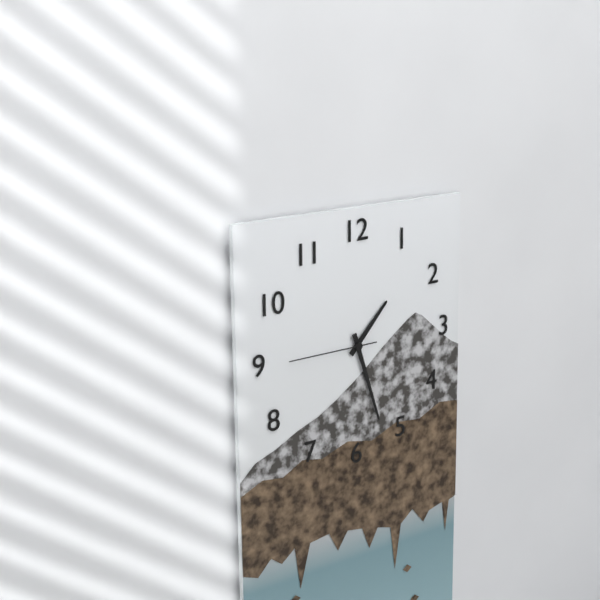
1h27m45s
